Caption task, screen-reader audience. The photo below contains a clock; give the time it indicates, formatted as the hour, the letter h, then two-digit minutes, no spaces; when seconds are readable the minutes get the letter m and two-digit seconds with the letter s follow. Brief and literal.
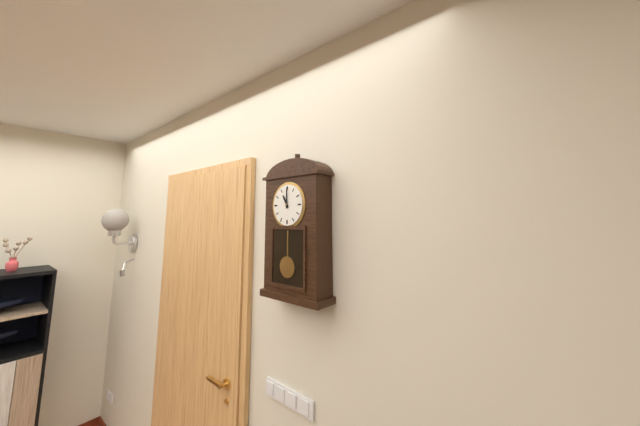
11h00
